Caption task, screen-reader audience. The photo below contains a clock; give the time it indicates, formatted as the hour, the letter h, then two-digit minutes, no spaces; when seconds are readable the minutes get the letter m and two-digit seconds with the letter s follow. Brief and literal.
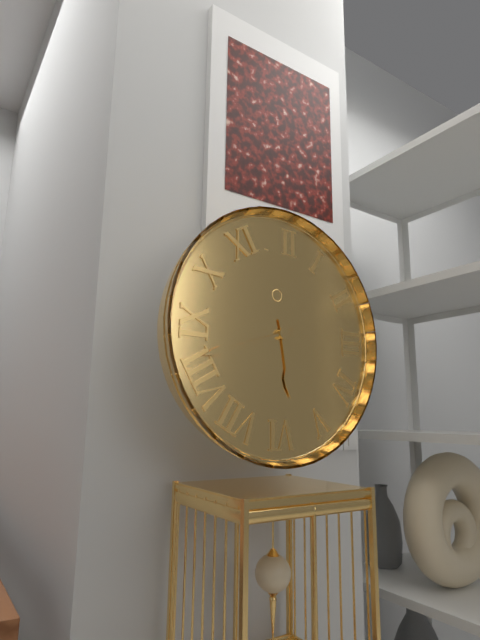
5h42
